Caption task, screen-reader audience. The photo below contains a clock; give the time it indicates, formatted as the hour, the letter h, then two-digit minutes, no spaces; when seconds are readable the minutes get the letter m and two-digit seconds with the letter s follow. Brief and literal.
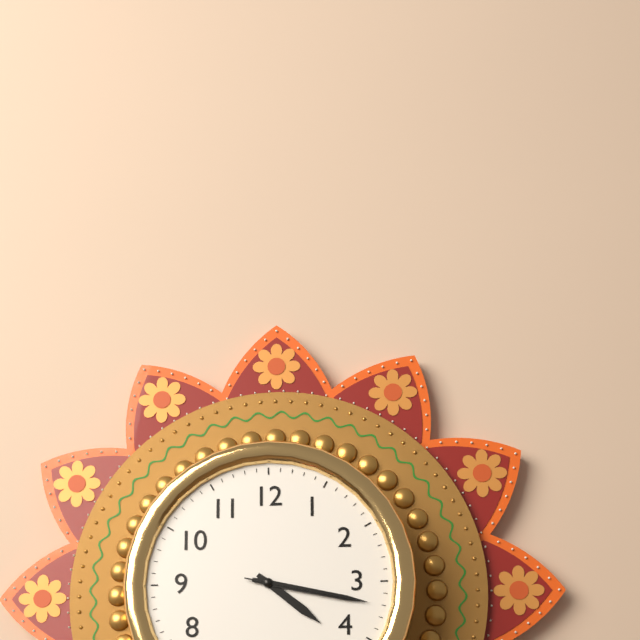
4h17m17s
